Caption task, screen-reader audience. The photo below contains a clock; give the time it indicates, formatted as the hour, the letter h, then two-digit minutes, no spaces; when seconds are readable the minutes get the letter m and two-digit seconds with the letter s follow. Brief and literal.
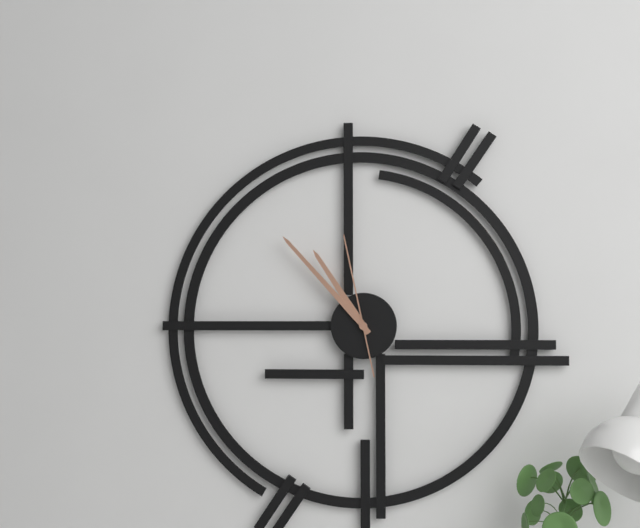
10h53m58s
